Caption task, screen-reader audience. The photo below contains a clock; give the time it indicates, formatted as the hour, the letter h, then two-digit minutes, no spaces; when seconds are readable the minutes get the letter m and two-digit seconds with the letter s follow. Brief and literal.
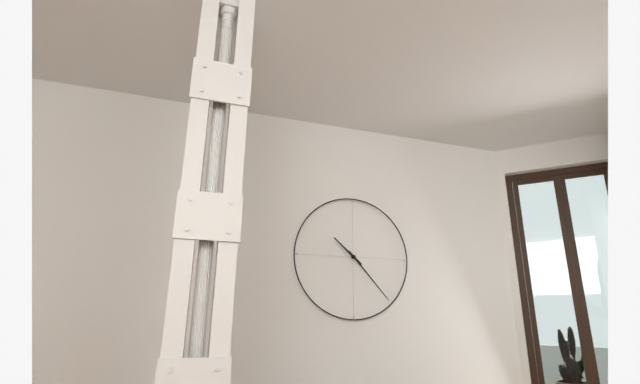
10h23
